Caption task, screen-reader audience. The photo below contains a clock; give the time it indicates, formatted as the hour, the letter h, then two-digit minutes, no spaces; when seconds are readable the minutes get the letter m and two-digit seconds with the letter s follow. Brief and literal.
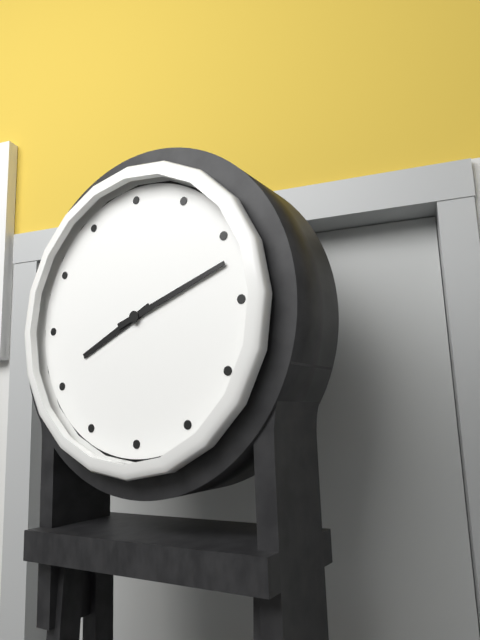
8h12
